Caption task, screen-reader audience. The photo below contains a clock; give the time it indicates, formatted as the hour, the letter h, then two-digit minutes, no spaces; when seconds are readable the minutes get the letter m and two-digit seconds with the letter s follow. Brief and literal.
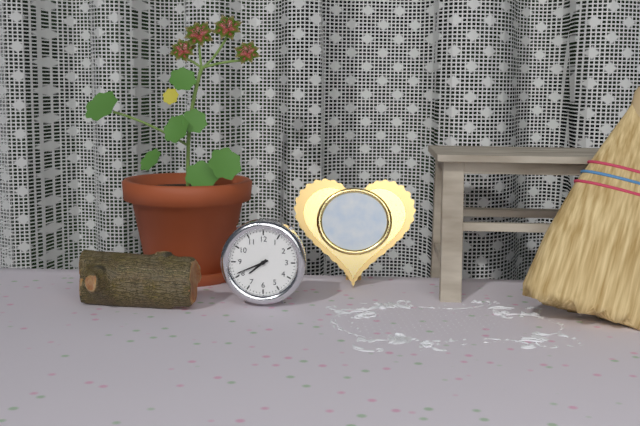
7h41
